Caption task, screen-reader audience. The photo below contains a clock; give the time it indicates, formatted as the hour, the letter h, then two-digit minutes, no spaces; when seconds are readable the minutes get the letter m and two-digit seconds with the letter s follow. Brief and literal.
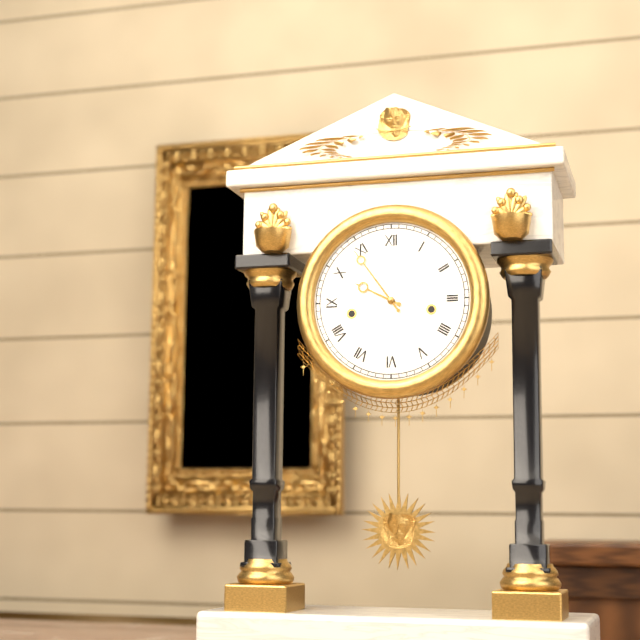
9h54
